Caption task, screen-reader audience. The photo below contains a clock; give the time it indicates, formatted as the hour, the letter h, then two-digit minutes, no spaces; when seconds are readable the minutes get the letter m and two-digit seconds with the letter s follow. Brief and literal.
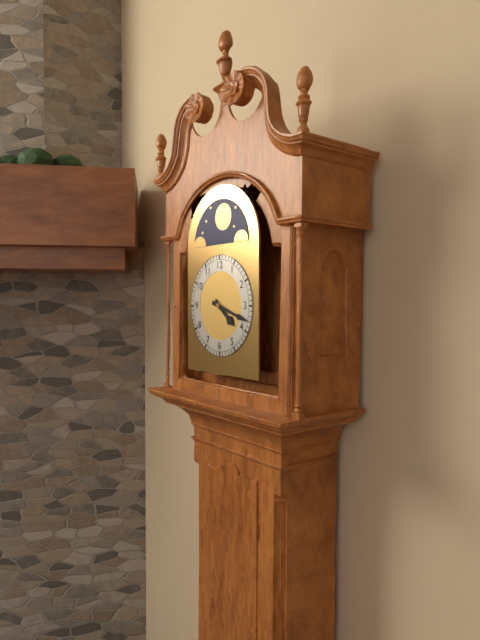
4h18
